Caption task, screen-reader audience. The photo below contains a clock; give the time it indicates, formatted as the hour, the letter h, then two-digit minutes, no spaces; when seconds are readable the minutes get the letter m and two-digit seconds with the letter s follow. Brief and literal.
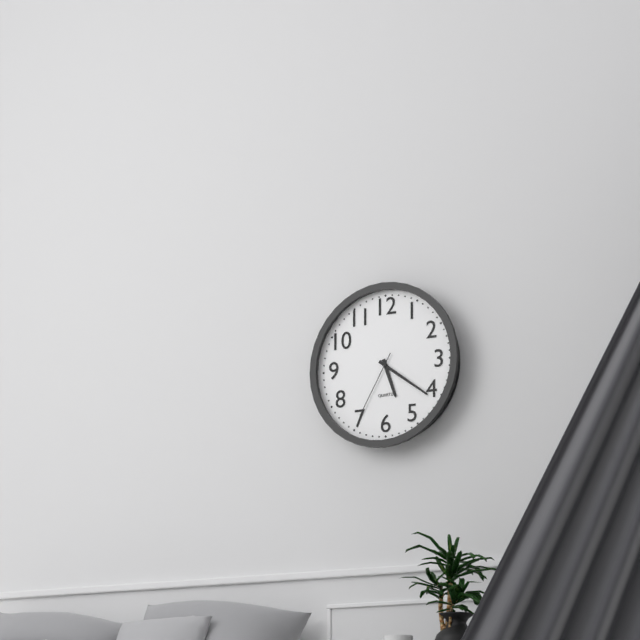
5h21m35s
